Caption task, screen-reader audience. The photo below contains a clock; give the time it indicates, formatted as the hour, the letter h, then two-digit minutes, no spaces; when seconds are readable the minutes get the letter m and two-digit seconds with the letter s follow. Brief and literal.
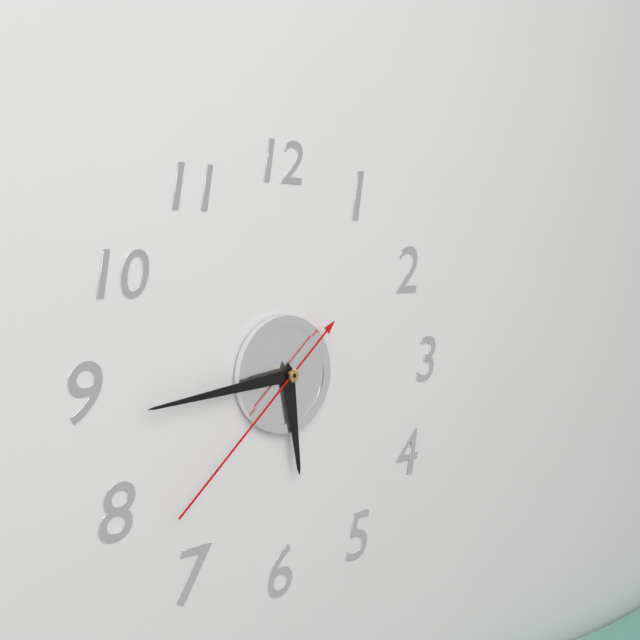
5h44m38s
